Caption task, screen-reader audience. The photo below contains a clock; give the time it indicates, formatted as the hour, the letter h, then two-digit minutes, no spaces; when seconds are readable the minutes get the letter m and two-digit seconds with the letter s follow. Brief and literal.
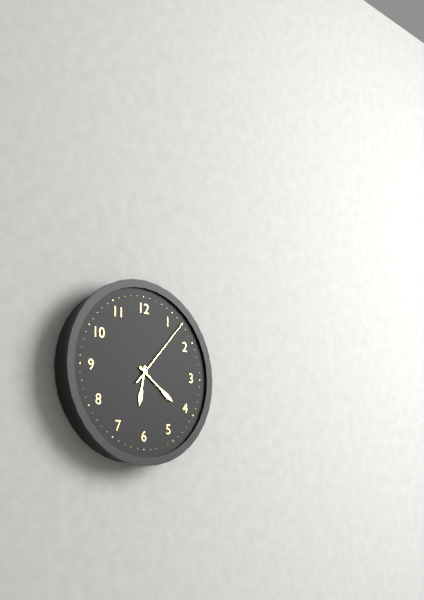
6h21m07s
